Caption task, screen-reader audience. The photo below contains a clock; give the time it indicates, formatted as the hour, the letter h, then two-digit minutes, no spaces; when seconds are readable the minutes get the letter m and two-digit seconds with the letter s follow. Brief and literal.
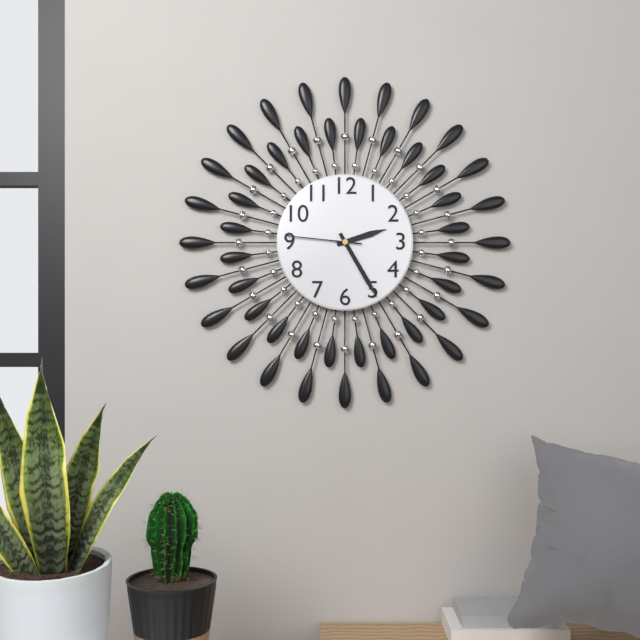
2h25m46s
